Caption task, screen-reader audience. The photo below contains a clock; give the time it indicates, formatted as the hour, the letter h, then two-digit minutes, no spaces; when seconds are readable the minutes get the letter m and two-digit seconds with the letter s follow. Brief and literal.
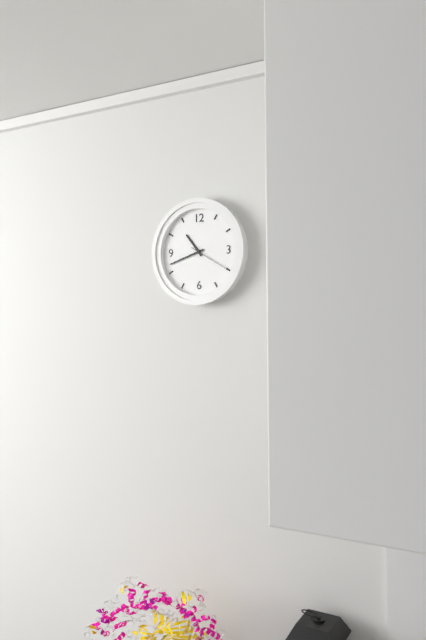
10h42
